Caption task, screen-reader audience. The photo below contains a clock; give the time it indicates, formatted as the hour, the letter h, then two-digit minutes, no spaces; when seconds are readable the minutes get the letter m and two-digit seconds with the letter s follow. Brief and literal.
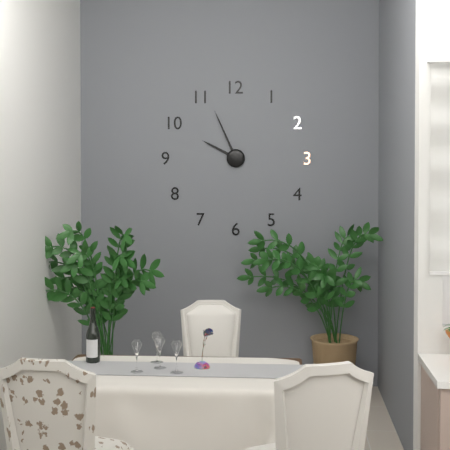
9h56
